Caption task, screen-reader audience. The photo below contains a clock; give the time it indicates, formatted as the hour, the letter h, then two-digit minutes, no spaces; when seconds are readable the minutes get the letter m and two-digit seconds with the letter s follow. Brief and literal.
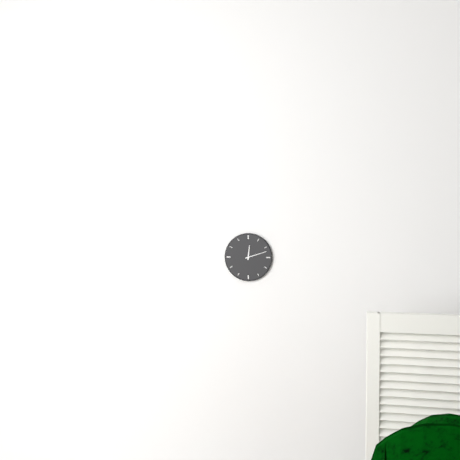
12h12
